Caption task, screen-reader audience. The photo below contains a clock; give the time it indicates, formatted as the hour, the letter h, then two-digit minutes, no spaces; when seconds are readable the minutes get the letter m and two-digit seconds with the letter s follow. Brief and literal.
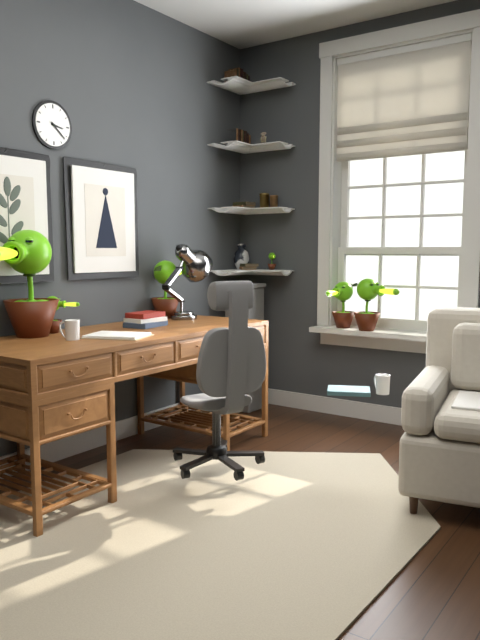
3h22
